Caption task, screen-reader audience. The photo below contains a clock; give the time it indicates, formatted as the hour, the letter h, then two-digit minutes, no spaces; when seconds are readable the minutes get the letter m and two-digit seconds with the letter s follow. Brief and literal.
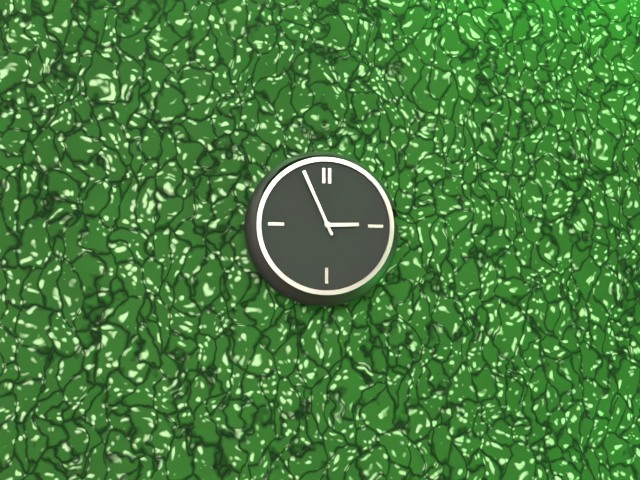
2h56
